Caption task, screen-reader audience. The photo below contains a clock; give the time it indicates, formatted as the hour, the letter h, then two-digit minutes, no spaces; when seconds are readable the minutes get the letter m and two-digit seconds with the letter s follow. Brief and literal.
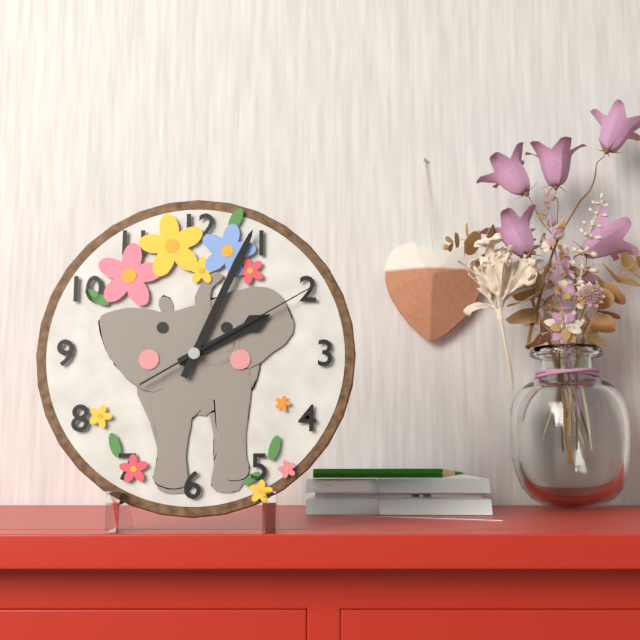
2h04m10s
